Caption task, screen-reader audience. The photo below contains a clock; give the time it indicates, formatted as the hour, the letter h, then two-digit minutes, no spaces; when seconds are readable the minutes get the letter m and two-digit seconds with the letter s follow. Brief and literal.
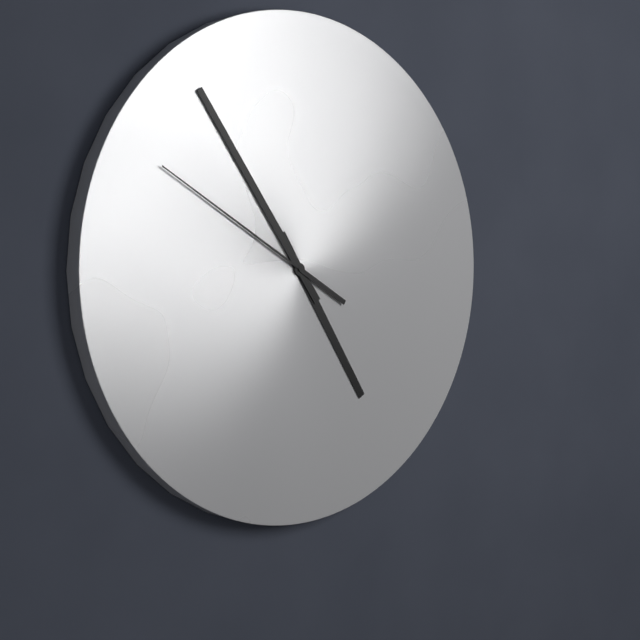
4h54m50s
